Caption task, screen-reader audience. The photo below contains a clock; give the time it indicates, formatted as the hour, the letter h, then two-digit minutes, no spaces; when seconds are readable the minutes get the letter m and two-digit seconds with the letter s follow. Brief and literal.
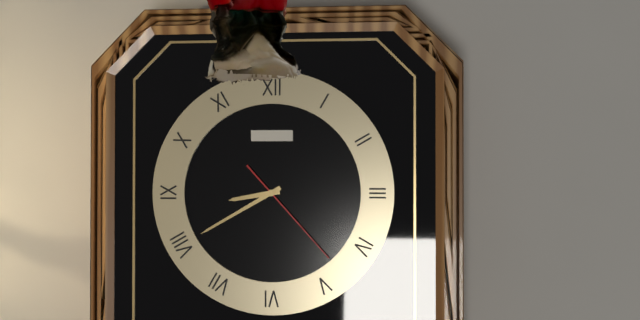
8h40m23s
